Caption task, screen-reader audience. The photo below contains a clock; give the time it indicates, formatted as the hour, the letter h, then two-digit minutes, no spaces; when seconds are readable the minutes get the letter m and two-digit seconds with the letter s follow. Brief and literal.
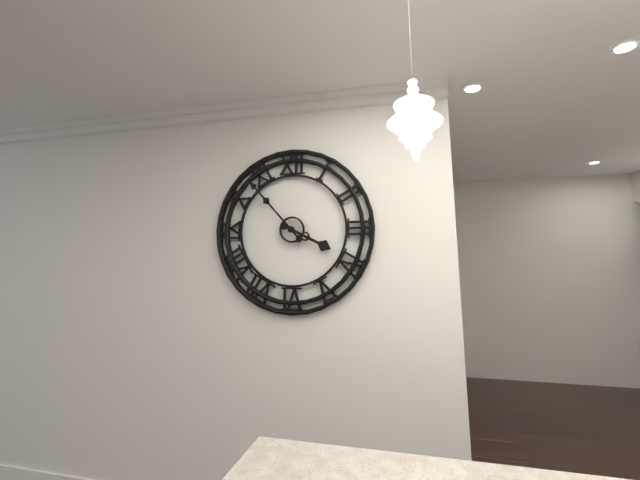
3h53
